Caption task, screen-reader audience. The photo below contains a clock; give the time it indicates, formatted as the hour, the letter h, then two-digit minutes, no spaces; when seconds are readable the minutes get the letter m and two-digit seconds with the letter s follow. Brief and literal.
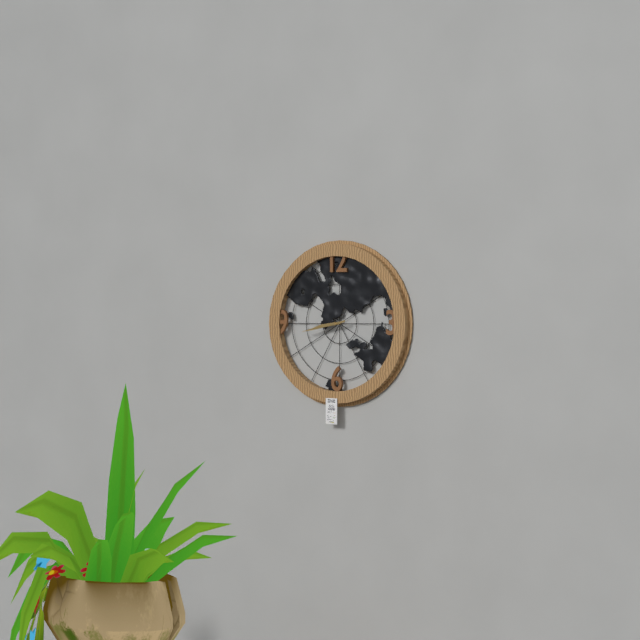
8h43
